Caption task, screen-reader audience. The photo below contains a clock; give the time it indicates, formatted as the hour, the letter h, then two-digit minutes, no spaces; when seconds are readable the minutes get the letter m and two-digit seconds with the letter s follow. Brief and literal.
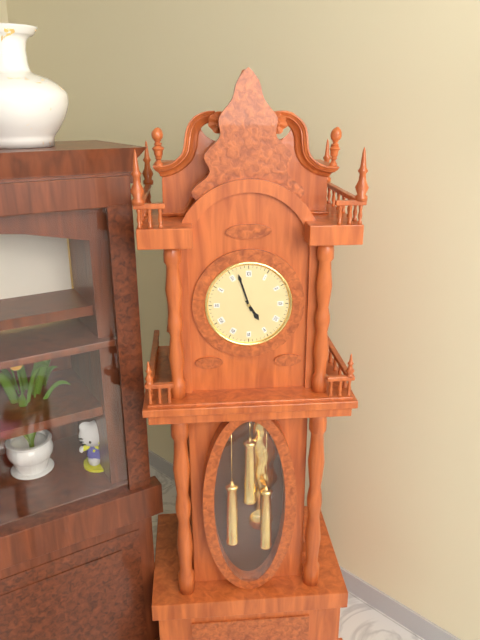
4h57
